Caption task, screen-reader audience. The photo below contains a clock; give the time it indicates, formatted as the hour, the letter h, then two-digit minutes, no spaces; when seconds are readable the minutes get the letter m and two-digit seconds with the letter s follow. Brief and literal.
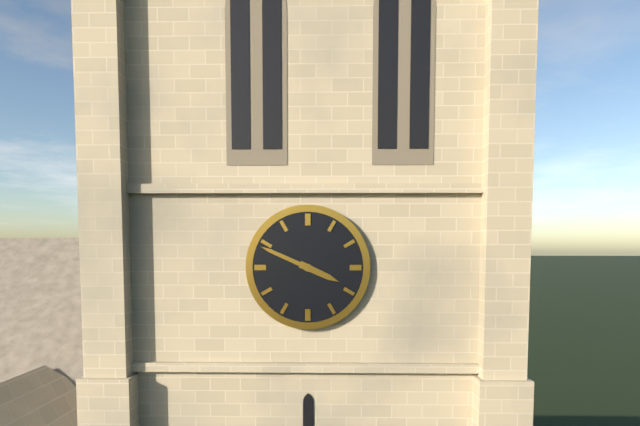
3h49
